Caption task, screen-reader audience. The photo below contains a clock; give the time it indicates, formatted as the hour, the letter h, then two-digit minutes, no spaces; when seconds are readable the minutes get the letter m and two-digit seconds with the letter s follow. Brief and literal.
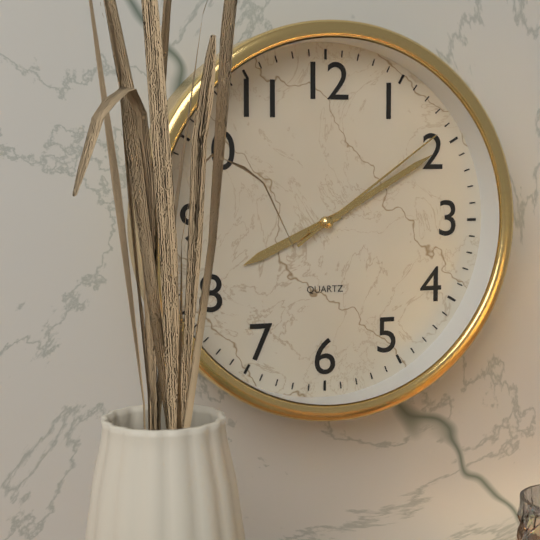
8h10m09s
